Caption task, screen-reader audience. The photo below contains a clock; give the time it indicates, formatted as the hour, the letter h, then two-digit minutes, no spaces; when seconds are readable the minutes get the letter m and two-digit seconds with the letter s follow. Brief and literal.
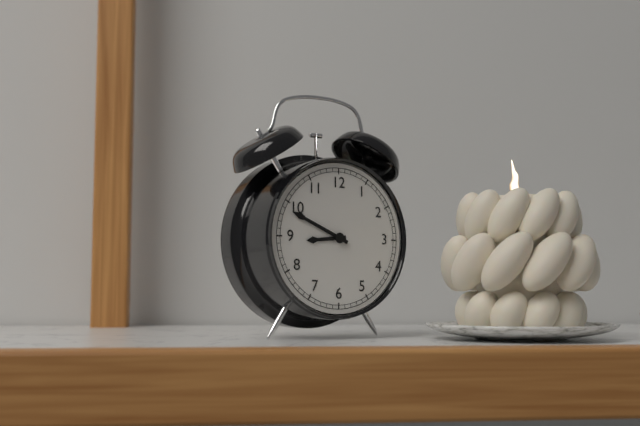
8h49
